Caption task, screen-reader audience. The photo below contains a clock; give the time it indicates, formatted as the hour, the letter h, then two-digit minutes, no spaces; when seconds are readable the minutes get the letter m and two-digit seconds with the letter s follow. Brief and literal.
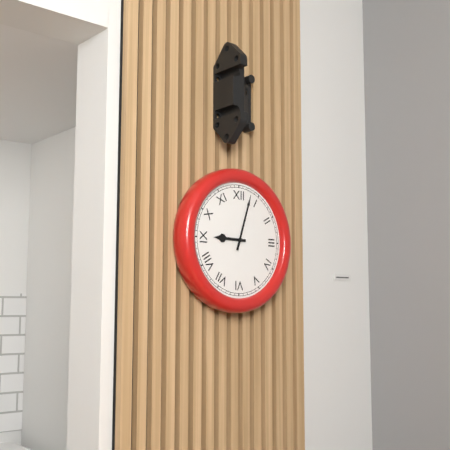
9h03
